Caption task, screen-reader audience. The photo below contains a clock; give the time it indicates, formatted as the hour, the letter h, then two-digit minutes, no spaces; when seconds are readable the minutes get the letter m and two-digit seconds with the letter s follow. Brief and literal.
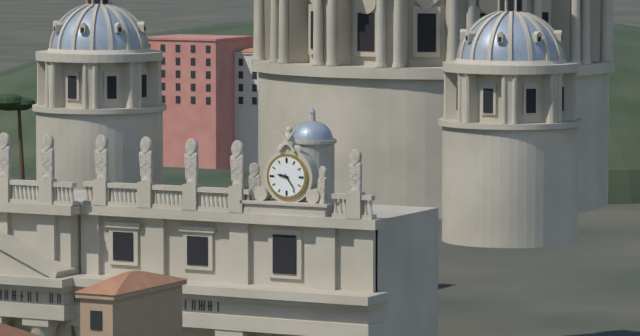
9h24
